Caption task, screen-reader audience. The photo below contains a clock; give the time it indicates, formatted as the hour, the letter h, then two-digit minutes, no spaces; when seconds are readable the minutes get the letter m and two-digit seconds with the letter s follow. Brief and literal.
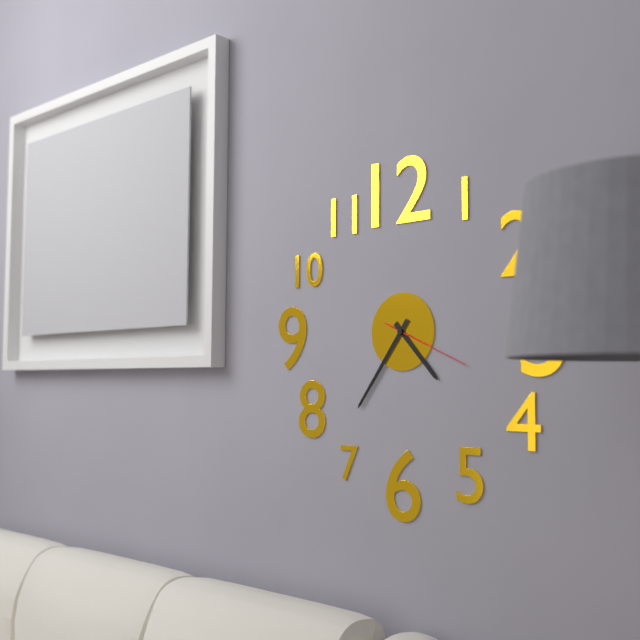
4h36m19s
